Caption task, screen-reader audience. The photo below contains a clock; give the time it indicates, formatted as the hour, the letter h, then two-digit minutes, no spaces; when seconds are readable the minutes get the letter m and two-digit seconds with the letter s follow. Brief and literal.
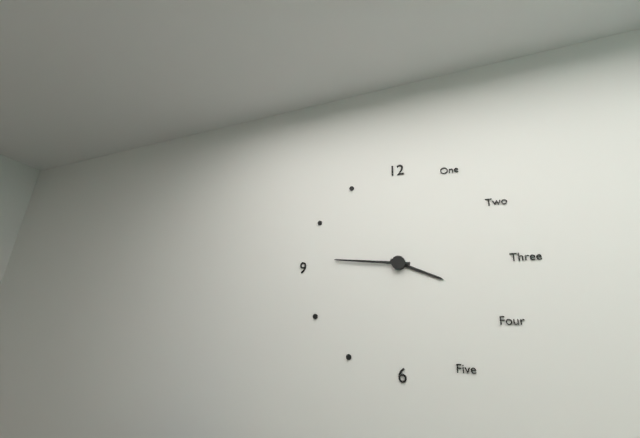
3h46
